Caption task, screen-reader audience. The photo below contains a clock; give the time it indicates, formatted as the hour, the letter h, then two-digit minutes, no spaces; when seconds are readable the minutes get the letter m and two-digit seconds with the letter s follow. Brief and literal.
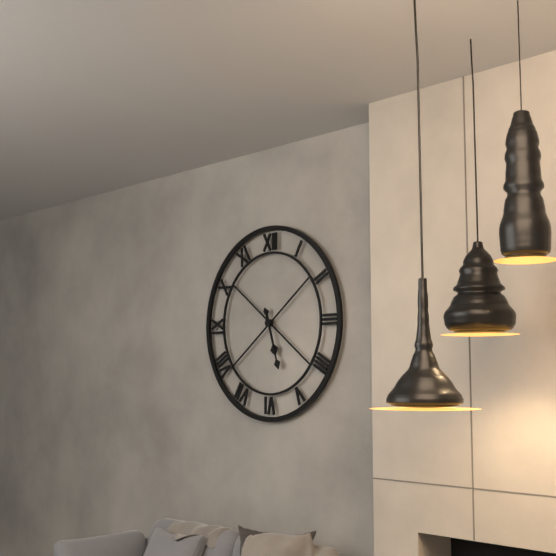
5h27
